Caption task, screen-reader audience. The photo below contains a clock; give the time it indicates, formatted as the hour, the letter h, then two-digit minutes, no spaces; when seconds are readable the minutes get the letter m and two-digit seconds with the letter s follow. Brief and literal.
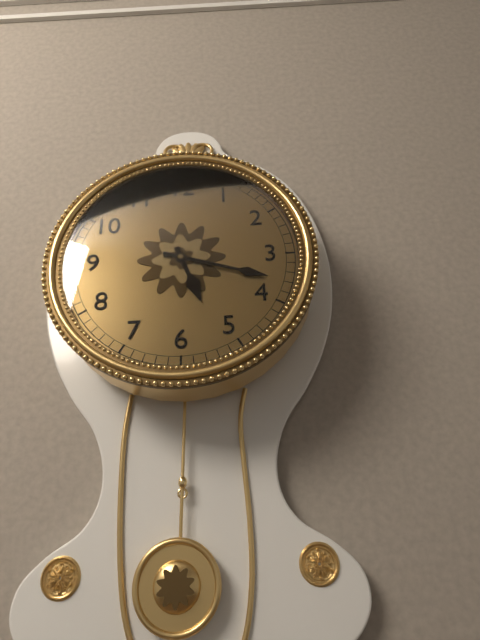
5h18
